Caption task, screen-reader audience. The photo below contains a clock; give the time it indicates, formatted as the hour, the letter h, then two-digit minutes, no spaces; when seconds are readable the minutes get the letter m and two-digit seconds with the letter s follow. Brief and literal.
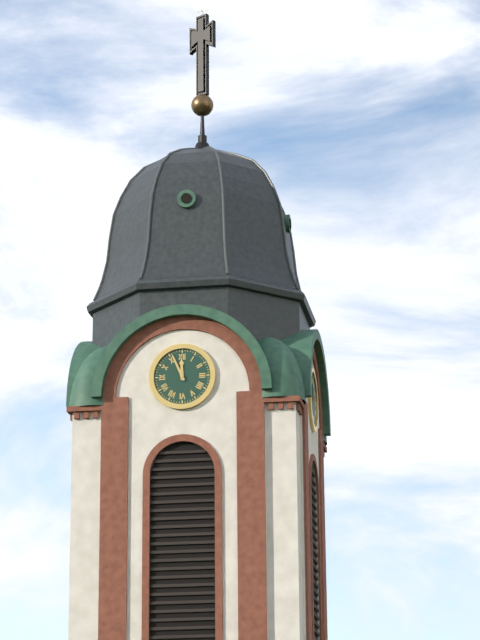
11h56
